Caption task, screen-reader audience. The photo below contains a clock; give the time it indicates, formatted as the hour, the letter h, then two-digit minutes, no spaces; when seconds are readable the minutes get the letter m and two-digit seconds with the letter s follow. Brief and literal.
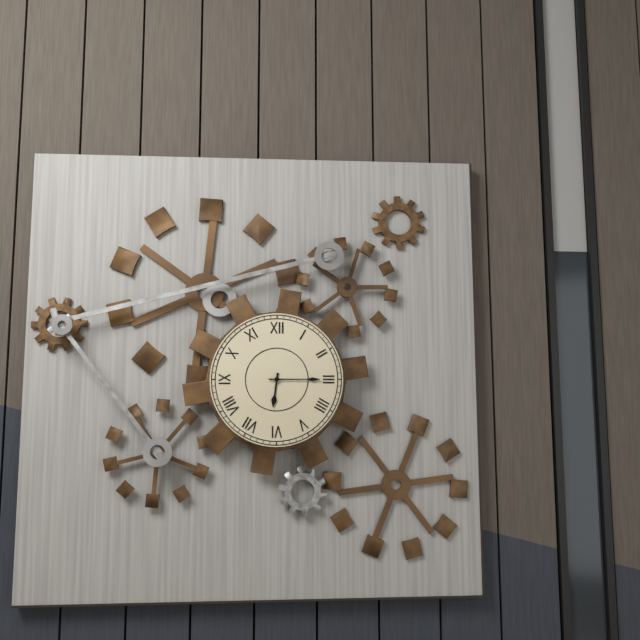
6h15
